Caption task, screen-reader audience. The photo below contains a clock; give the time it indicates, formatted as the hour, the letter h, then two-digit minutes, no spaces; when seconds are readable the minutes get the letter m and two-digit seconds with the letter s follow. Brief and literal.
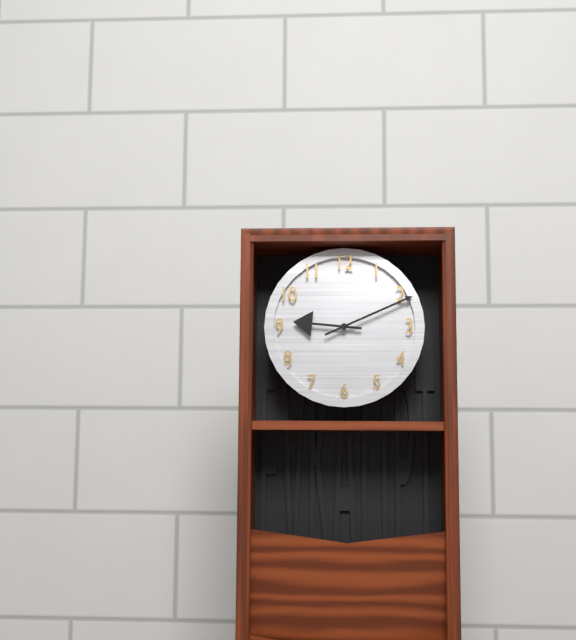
9h11
